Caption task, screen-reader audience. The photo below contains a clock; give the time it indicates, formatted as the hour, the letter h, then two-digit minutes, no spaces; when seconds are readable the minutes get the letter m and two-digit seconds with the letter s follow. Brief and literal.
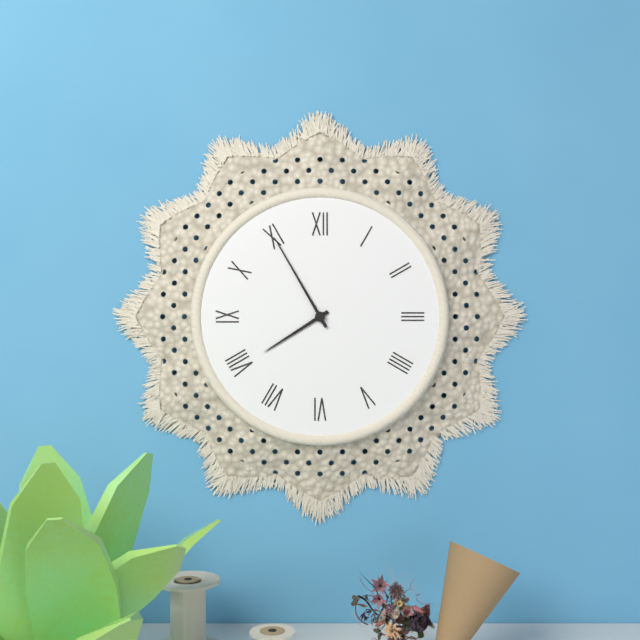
7h55
